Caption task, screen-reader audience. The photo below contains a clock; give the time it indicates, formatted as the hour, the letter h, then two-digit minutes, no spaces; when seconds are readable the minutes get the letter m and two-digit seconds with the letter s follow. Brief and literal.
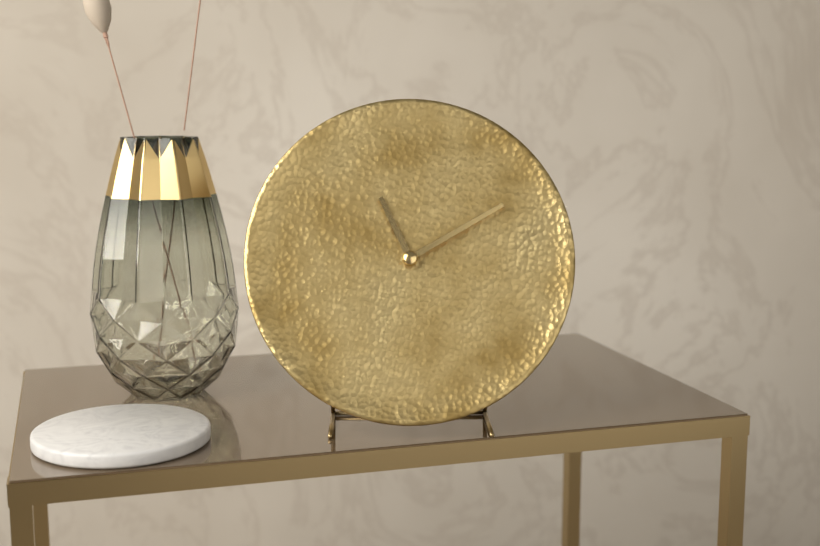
11h10
